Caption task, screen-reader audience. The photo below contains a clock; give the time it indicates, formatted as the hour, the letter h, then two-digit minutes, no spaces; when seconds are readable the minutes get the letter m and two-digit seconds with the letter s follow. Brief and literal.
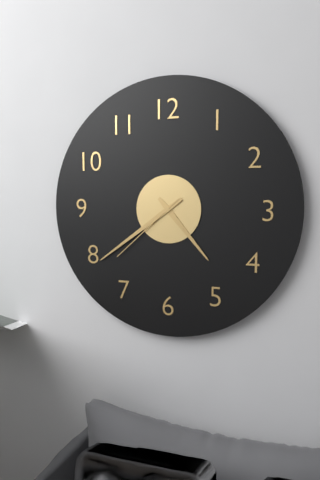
4h39m38s
